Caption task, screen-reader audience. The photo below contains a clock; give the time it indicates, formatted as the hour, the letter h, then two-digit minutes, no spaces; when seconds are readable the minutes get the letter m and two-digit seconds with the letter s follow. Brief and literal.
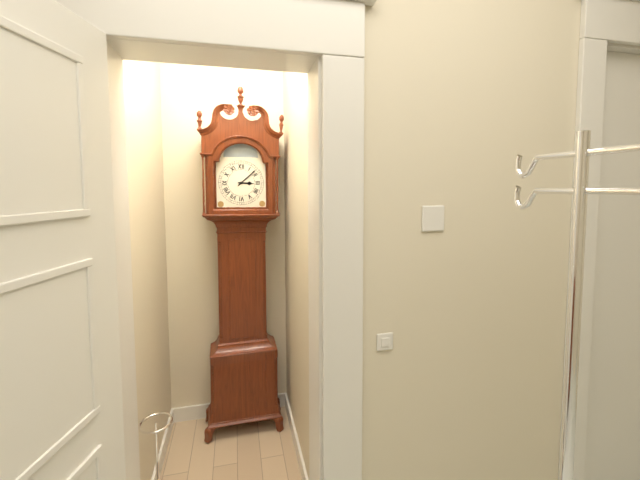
3h08
